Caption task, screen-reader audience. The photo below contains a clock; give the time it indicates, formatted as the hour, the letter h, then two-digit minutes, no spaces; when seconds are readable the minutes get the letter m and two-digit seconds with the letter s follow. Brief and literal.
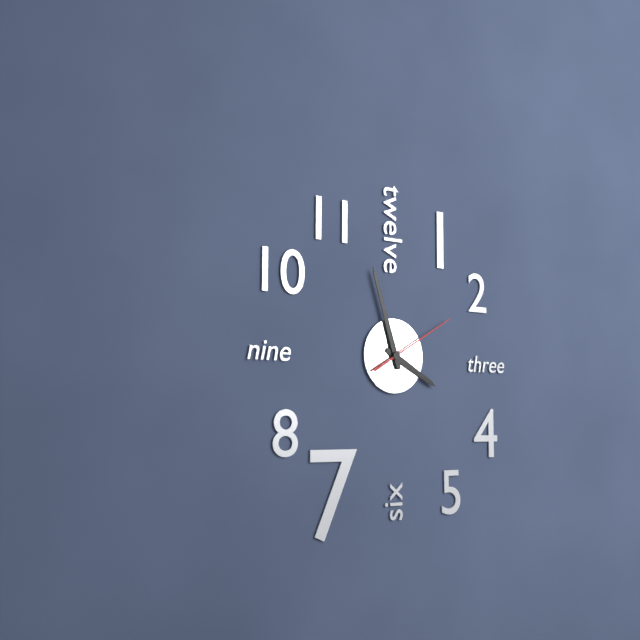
3h57m10s
